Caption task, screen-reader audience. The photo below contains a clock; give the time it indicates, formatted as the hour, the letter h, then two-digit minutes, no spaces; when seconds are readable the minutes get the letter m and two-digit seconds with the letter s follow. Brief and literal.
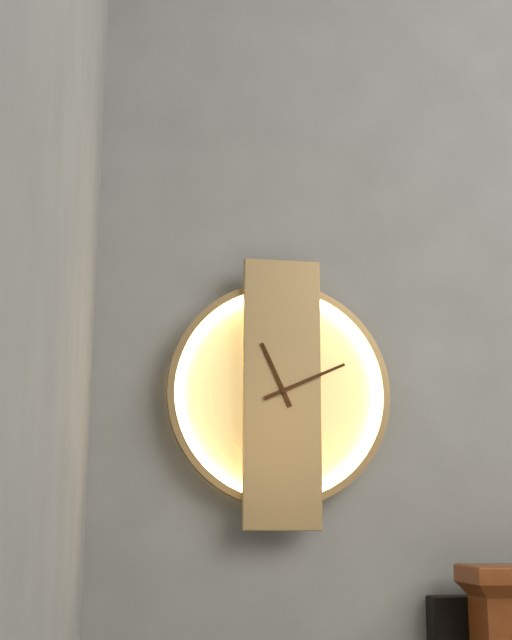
11h11
